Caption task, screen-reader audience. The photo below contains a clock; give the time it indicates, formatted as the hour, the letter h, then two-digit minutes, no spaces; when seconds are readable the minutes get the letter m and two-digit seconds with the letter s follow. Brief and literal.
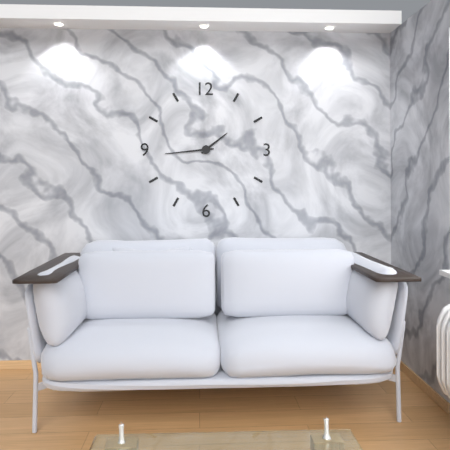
1h44
